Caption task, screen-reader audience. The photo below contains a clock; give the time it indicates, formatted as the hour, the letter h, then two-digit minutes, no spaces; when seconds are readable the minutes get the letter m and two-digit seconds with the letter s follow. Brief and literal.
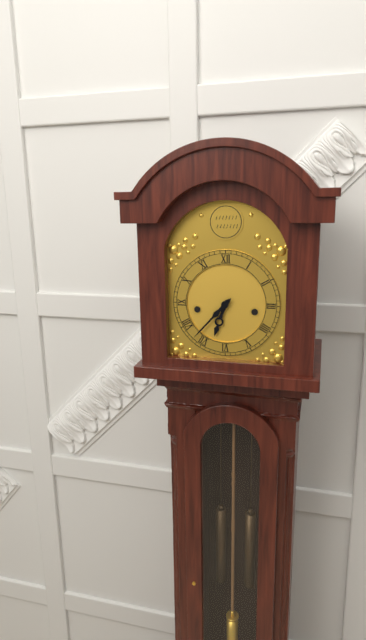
6h37
